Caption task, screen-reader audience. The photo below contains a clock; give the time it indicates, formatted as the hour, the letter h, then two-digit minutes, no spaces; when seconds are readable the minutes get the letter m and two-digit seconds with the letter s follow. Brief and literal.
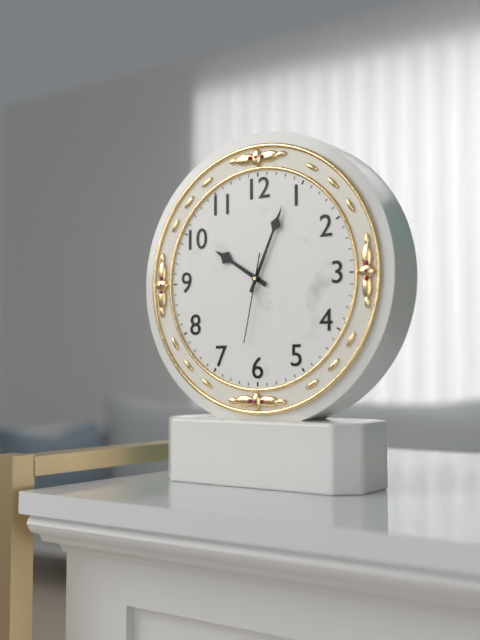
10h04m32s
